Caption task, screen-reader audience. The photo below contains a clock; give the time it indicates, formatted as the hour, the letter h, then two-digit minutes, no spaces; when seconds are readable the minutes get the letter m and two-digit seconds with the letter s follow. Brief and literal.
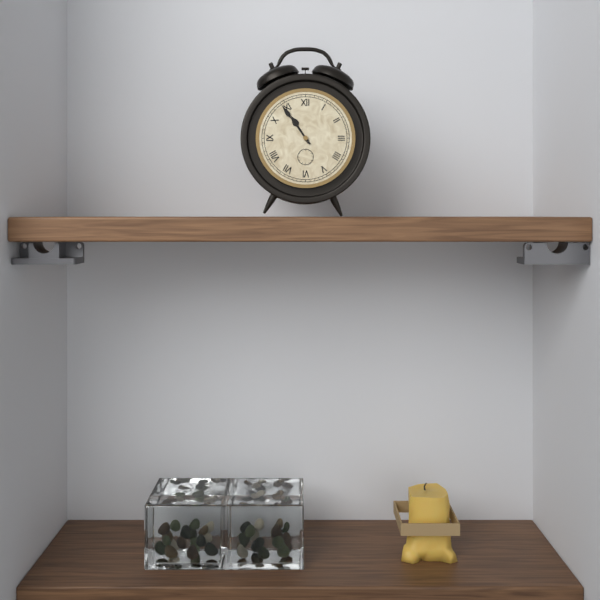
10h54
